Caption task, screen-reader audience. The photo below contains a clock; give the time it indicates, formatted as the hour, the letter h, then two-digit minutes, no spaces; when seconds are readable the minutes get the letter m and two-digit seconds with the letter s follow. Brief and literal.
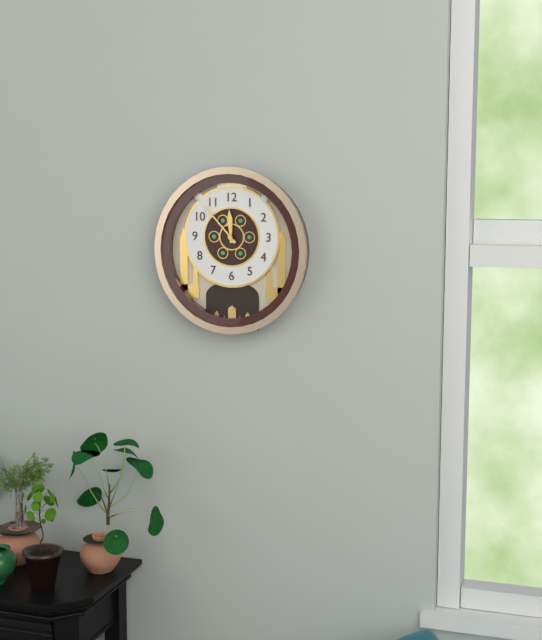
11h53
